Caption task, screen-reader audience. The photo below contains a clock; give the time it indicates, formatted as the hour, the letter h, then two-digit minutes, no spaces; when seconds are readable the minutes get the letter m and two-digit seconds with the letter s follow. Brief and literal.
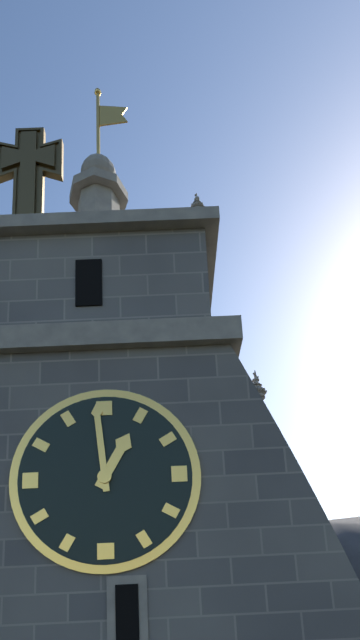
12h59
